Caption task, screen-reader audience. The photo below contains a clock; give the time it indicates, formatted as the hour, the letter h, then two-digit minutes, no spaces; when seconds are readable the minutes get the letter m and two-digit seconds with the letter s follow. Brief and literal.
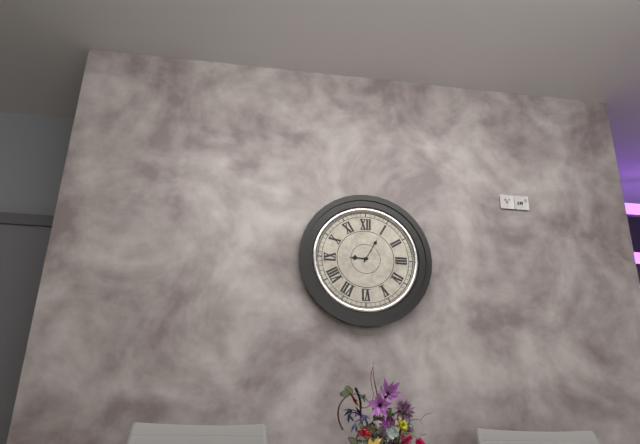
9h05
